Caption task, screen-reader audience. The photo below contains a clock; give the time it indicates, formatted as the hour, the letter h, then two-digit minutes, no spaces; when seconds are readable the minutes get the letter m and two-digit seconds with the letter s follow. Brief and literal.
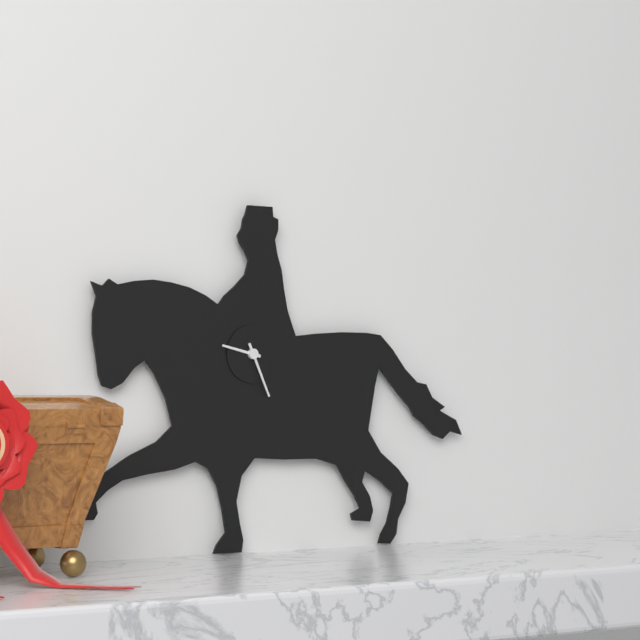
9h26
